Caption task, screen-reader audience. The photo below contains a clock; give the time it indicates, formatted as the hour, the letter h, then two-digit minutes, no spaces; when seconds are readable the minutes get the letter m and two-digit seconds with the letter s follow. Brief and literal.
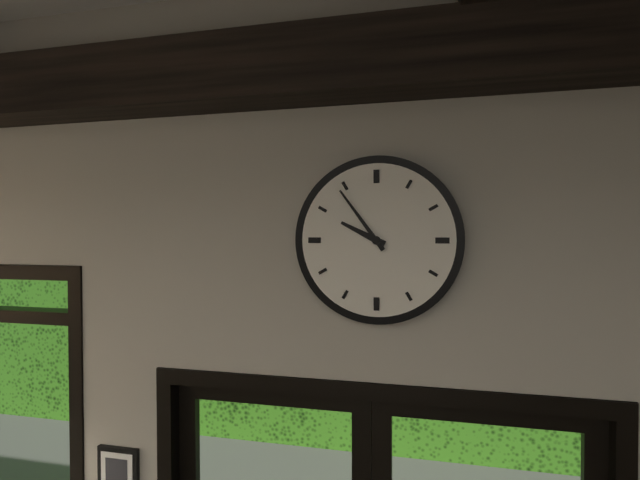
9h54
